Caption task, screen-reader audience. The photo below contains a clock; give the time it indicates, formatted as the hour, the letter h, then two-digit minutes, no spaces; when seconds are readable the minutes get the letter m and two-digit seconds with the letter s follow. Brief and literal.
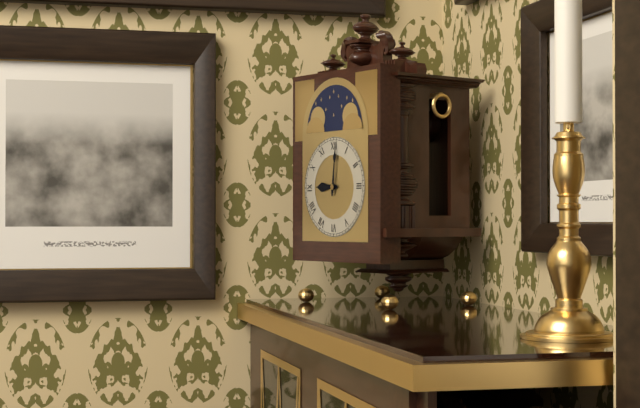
9h01
